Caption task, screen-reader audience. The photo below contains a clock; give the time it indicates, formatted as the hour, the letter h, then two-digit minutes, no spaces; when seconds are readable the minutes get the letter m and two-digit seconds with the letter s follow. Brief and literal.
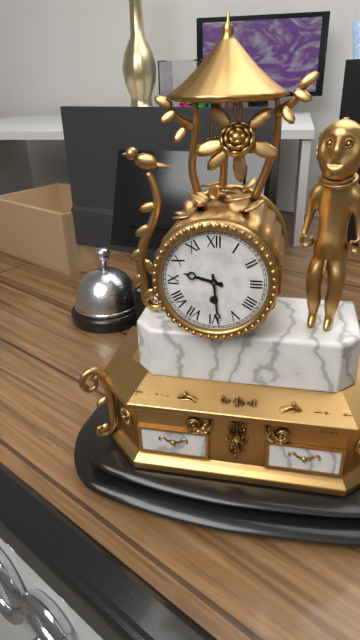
9h29
